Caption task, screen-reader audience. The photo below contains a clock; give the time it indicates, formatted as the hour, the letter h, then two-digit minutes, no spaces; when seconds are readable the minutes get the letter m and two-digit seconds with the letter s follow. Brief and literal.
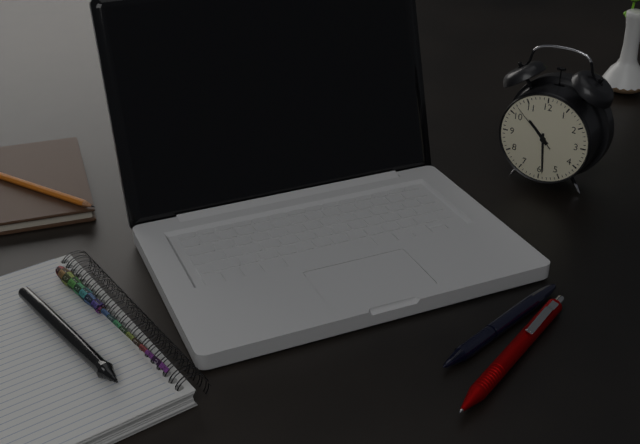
10h29m52s
